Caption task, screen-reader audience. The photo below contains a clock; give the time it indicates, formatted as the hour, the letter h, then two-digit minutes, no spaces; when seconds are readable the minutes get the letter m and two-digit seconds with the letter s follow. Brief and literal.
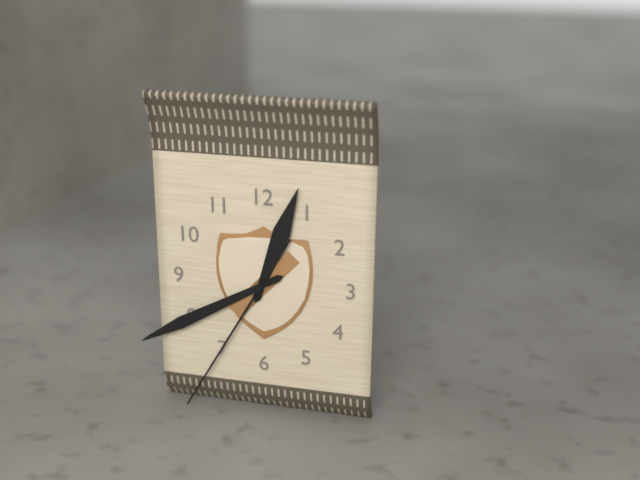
12h40m35s
